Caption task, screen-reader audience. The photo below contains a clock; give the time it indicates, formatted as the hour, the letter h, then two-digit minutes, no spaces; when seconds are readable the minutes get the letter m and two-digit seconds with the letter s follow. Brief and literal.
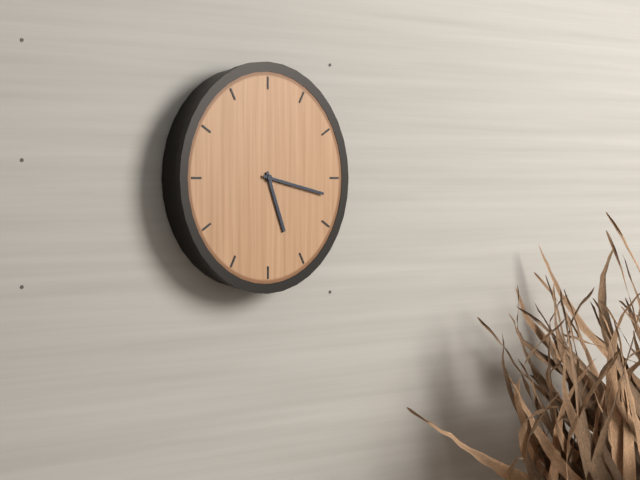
5h17
